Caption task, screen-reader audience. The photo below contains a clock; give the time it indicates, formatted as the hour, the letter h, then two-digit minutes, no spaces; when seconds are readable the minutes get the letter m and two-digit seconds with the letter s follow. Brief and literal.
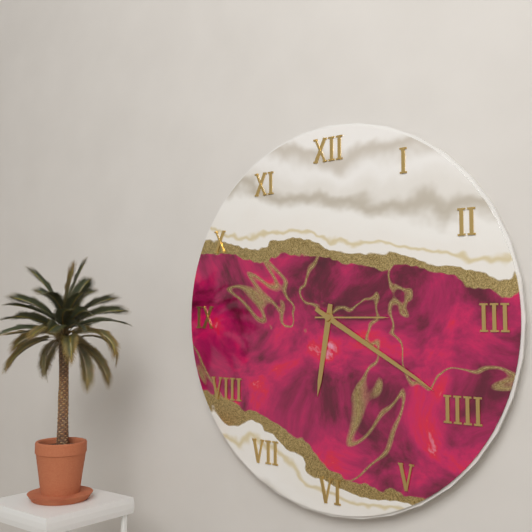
6h20m15s
